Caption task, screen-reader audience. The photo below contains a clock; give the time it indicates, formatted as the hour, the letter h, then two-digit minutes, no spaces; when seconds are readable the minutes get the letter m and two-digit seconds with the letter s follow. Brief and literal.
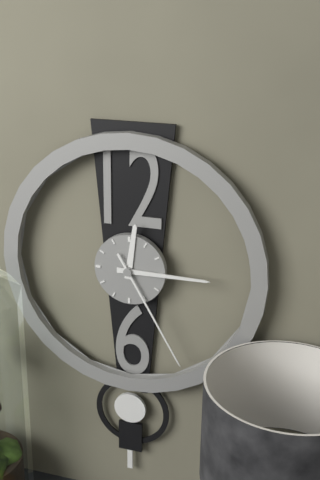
12h15m25s
